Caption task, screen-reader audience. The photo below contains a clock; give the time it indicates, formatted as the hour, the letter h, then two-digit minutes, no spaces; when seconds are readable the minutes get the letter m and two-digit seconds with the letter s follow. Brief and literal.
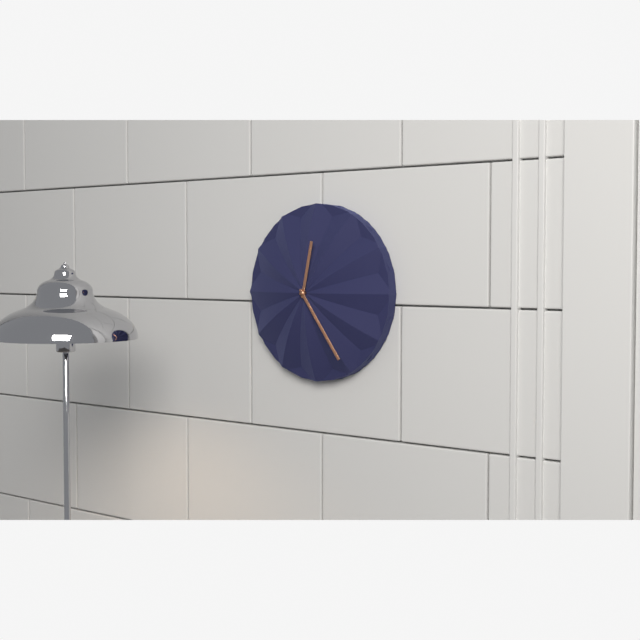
12h24
